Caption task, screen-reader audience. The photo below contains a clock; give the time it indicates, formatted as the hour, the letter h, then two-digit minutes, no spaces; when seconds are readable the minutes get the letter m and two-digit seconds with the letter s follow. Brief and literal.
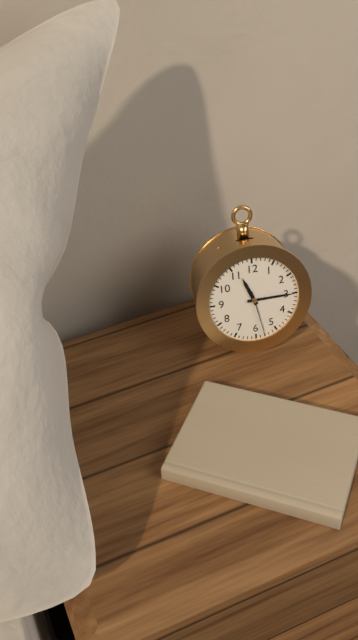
11h15
